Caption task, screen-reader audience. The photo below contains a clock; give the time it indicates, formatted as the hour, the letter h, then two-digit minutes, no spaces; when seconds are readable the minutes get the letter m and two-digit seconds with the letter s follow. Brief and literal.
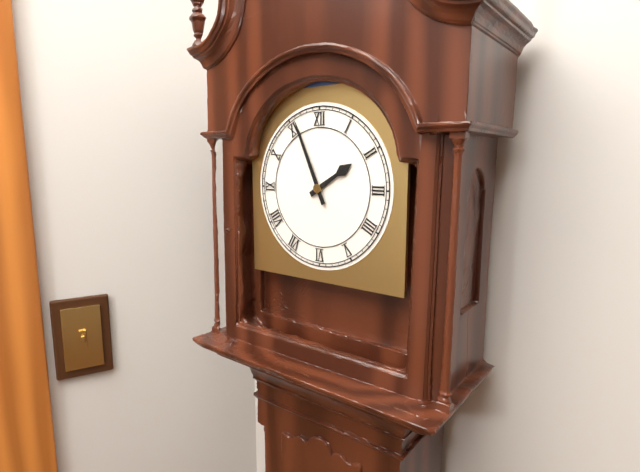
1h56
